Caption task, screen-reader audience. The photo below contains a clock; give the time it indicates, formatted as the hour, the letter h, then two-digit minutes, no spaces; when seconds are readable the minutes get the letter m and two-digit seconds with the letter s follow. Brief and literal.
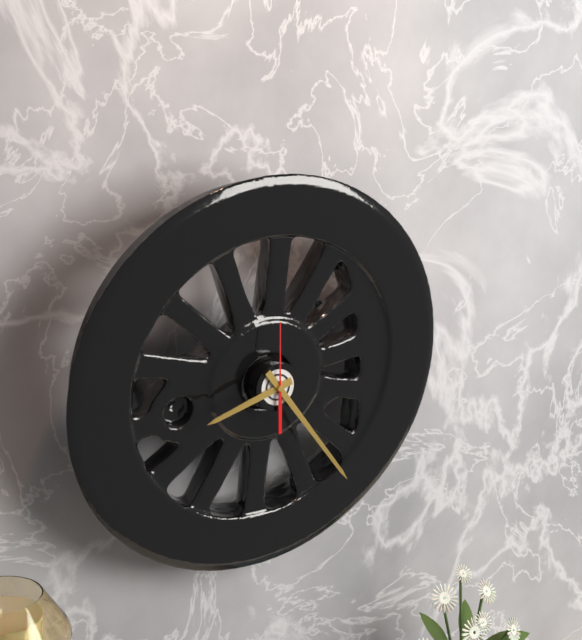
8h24m00s
